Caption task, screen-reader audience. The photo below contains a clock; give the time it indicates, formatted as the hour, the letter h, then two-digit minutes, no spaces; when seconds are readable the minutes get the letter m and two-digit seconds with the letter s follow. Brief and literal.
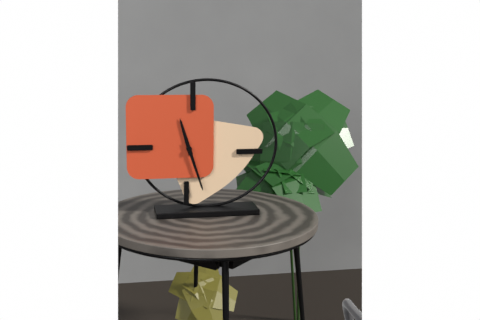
11h27
